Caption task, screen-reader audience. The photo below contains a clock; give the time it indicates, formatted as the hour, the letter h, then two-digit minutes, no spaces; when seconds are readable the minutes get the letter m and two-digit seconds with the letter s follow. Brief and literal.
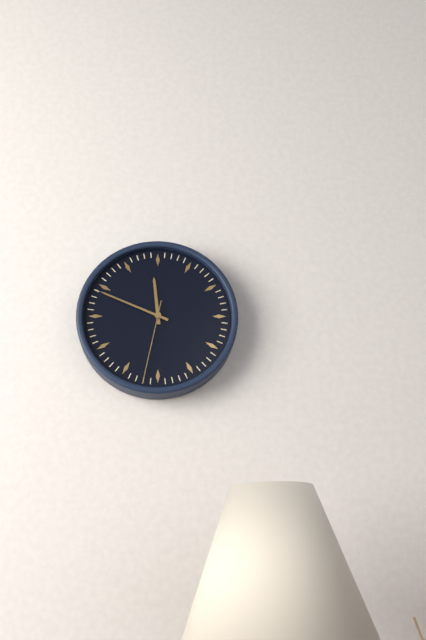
11h49m32s
